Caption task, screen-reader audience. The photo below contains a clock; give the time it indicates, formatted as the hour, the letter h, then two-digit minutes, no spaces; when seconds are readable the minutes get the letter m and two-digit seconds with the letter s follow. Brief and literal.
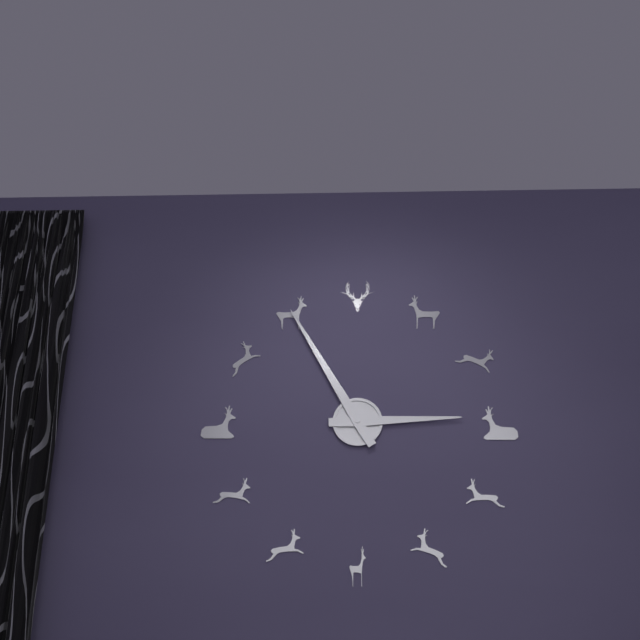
2h55
